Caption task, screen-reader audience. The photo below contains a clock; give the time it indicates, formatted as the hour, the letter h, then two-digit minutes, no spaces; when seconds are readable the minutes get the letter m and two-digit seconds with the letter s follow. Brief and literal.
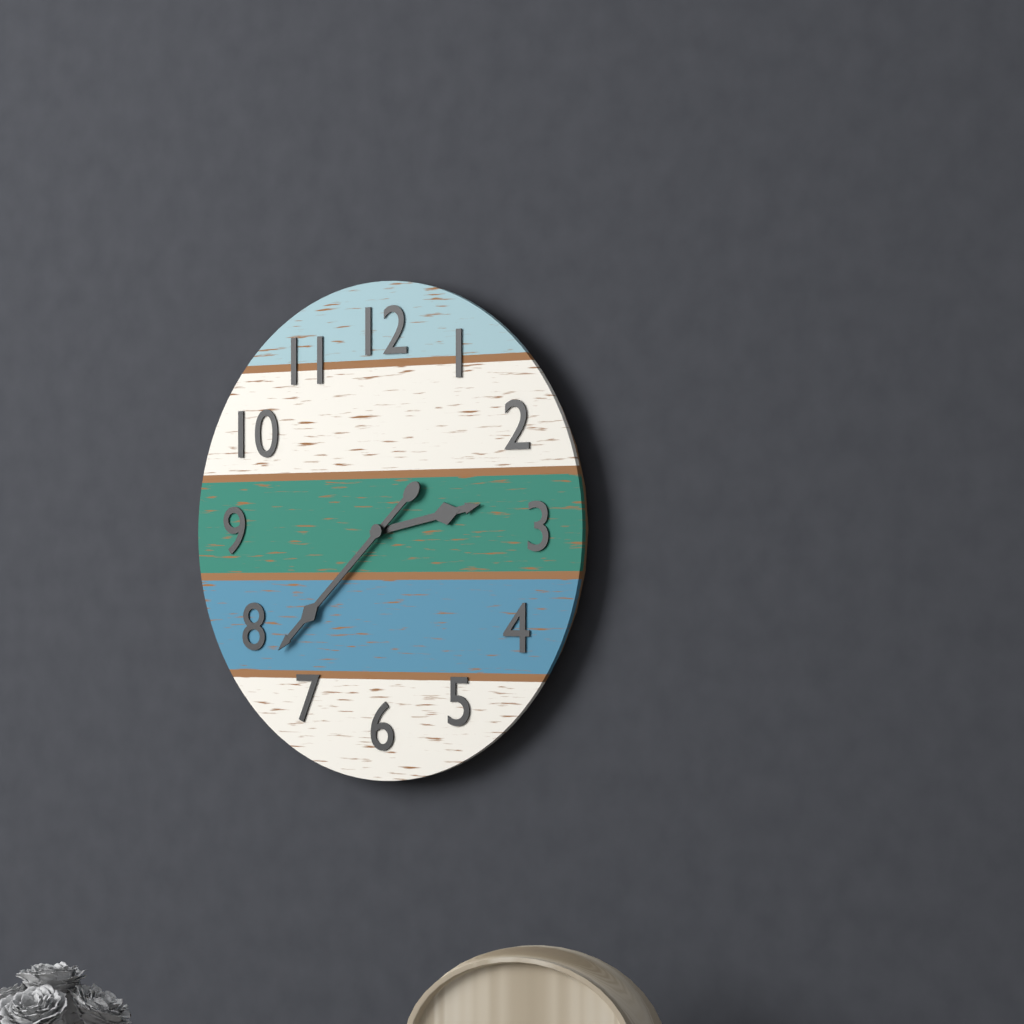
2h38
